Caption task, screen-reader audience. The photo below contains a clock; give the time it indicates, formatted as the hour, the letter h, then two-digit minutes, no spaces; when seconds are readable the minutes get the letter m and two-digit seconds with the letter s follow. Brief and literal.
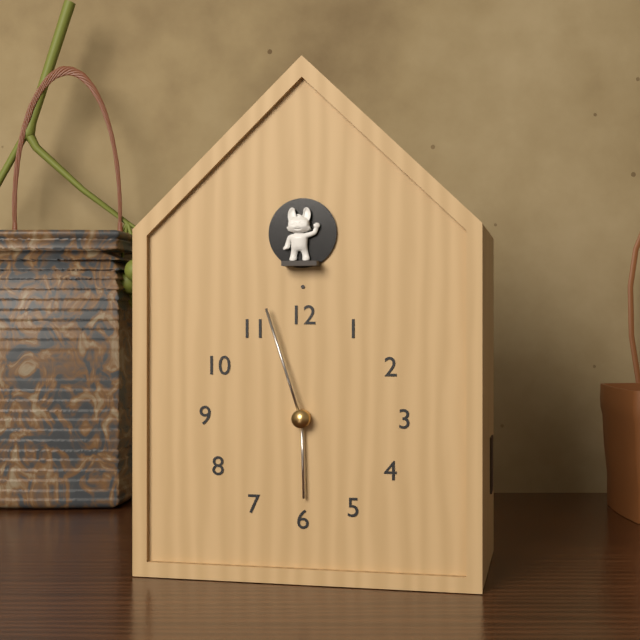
5h57
